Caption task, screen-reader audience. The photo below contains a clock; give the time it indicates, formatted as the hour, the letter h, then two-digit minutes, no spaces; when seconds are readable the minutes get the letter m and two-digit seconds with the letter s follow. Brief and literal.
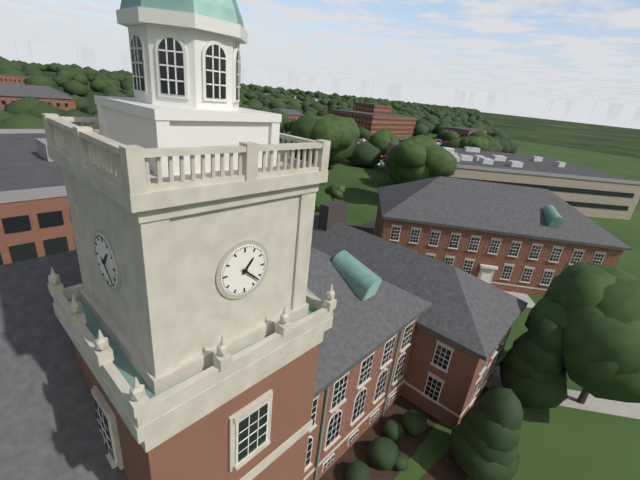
1h22
